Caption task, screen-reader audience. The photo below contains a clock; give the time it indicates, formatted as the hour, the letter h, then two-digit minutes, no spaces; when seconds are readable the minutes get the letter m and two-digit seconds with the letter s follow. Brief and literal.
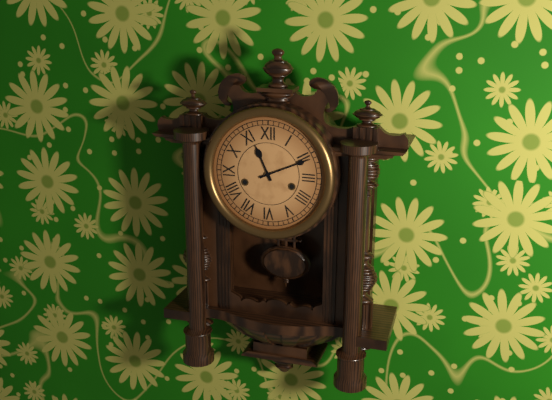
11h11
